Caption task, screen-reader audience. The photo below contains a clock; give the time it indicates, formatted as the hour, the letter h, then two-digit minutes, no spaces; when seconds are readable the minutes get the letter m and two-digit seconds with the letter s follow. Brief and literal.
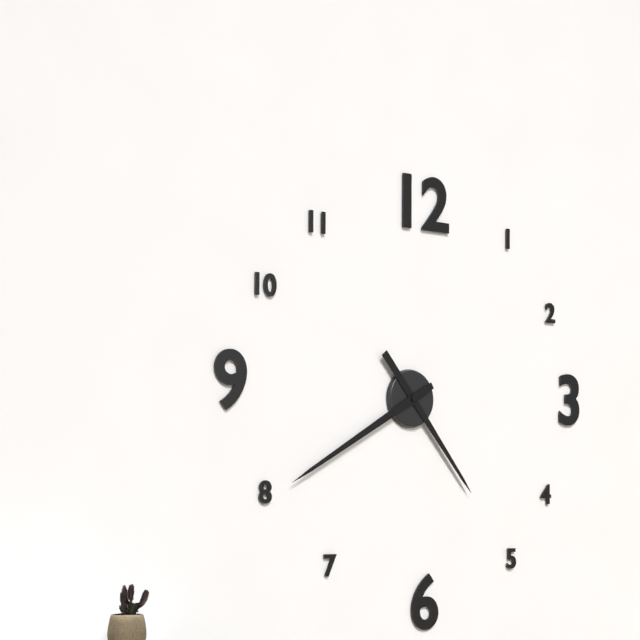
4h40
